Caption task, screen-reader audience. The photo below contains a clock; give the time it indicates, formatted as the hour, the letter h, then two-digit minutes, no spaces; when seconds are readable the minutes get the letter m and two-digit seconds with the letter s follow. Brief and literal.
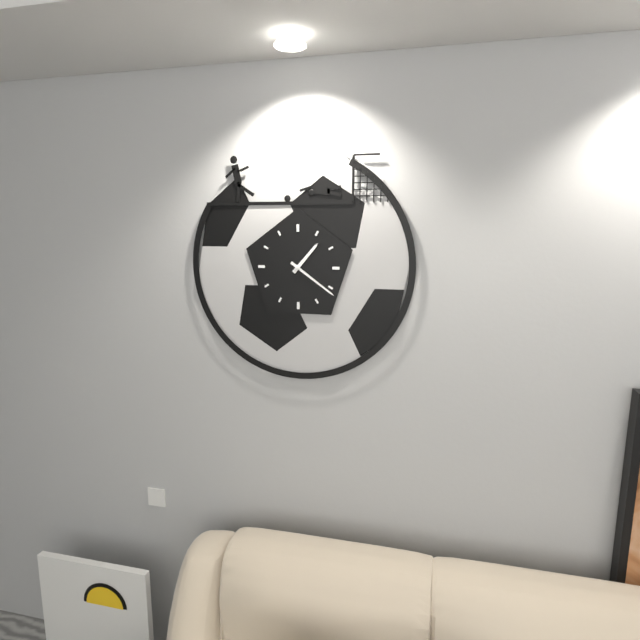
1h21
